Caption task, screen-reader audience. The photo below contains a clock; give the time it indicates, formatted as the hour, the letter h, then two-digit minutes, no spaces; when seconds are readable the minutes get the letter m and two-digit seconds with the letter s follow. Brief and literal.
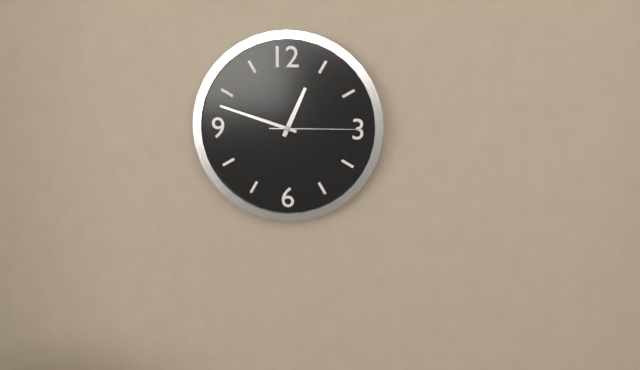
12h48m15s
